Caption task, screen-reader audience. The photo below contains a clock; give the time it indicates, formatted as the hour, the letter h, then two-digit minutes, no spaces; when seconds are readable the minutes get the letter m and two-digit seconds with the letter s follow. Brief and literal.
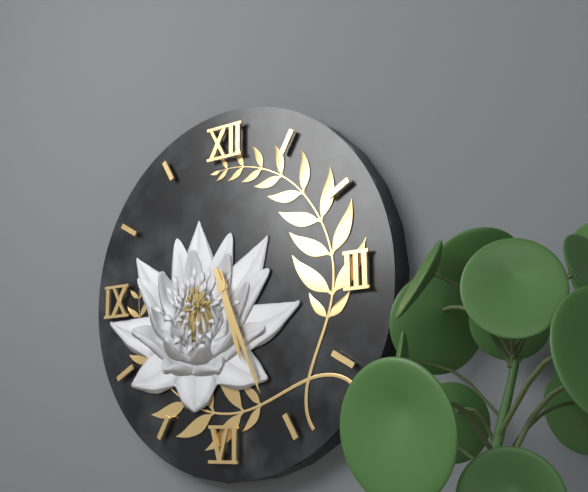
5h26
